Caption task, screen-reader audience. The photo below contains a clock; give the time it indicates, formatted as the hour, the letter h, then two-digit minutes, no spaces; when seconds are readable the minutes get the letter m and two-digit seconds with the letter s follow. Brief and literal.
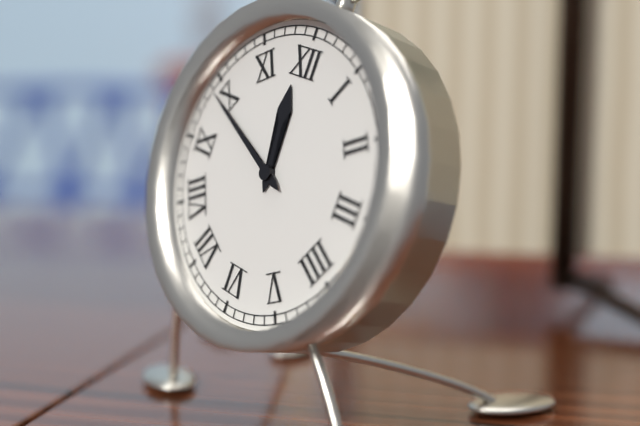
11h49
